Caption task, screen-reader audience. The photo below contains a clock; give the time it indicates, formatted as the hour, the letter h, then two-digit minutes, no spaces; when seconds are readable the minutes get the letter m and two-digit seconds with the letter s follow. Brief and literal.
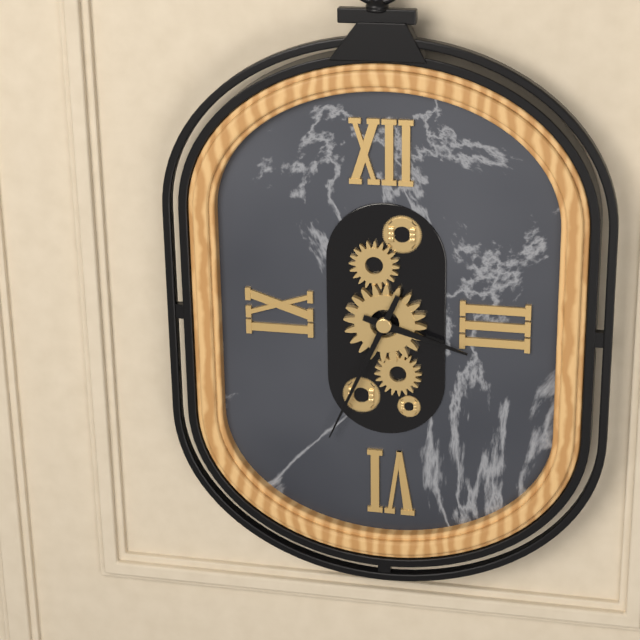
3h34
